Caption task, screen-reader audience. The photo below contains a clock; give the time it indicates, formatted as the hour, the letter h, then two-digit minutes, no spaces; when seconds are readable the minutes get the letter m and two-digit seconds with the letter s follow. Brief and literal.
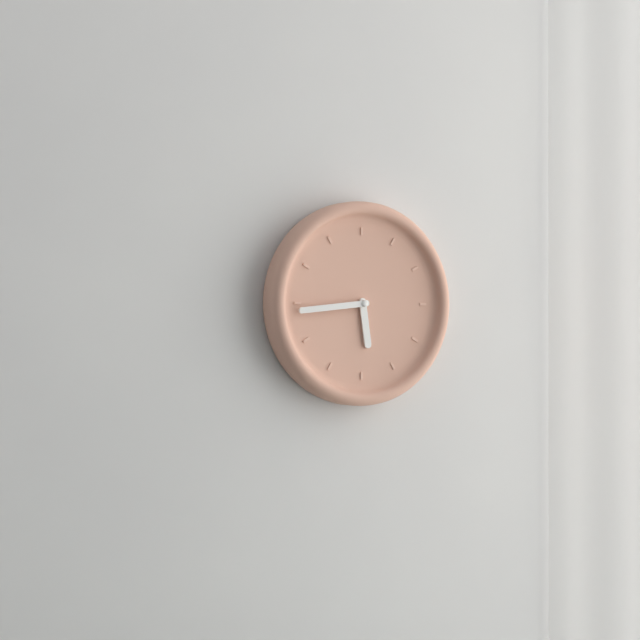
5h44
